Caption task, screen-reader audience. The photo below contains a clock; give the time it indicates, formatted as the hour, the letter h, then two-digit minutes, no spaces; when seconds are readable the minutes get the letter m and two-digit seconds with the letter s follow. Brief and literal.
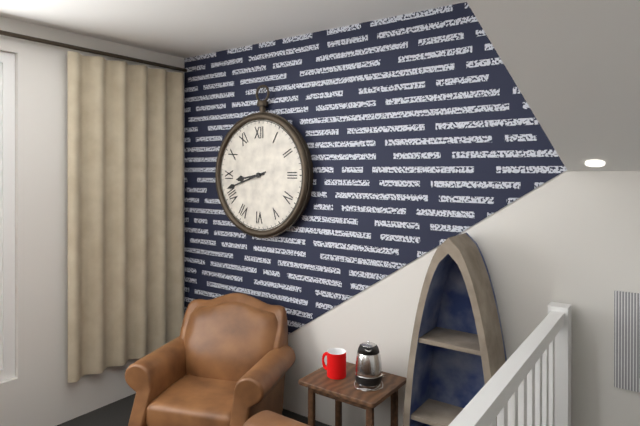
8h42
